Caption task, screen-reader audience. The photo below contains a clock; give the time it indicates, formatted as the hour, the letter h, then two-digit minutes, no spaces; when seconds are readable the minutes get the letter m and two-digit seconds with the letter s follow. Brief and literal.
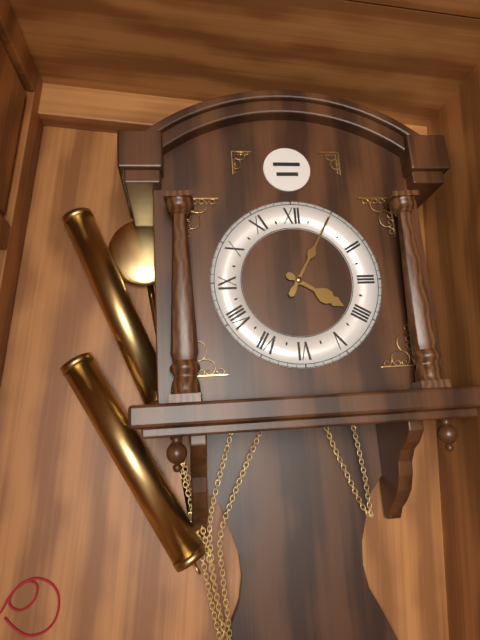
4h05
